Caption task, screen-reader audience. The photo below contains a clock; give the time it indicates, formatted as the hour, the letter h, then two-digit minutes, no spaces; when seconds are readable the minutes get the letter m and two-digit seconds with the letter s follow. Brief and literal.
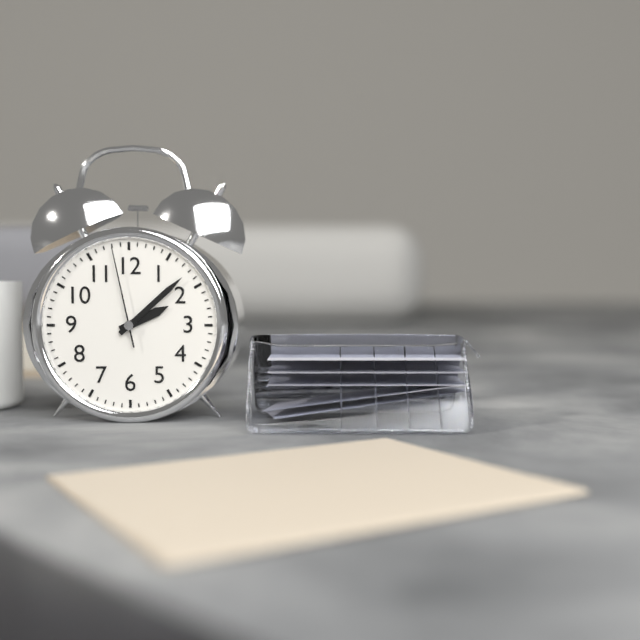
2h08m58s
